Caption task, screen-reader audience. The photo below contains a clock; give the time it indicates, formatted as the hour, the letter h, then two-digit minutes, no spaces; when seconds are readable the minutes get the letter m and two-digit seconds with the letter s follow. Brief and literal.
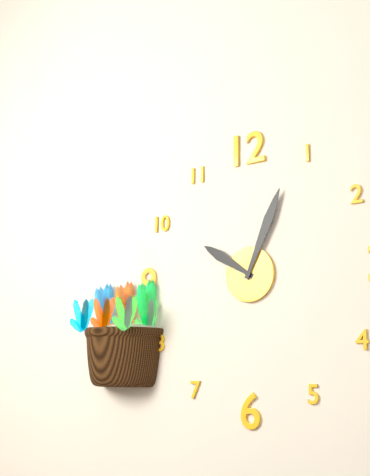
10h04
